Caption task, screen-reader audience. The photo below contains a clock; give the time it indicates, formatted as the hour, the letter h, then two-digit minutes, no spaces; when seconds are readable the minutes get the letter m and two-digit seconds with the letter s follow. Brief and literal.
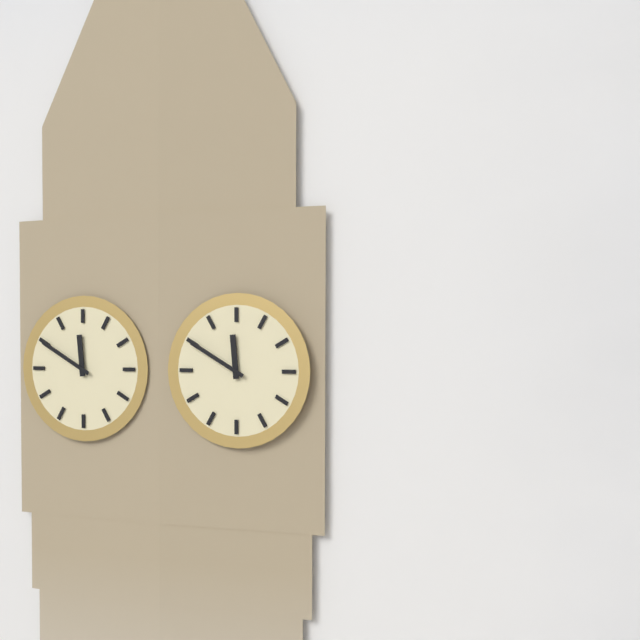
11h50
